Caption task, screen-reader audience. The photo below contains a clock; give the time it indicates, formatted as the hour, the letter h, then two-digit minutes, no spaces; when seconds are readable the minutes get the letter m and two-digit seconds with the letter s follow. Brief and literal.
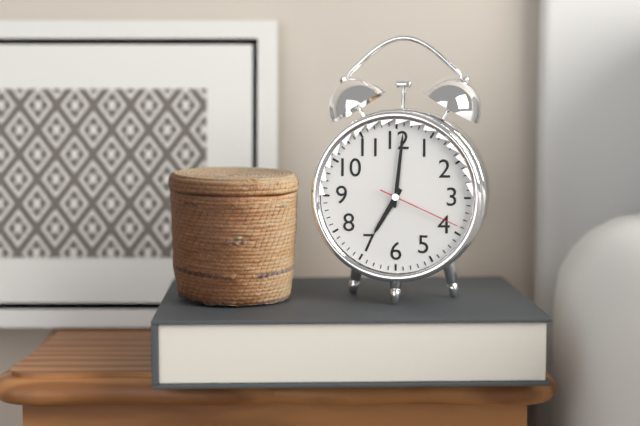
7h01m19s
